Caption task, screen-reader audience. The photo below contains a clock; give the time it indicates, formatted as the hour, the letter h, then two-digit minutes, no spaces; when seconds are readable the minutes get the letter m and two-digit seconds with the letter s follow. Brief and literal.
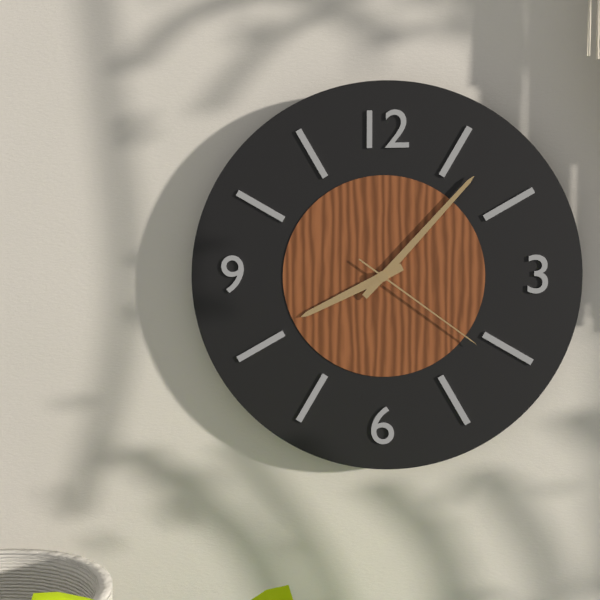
8h07m21s
